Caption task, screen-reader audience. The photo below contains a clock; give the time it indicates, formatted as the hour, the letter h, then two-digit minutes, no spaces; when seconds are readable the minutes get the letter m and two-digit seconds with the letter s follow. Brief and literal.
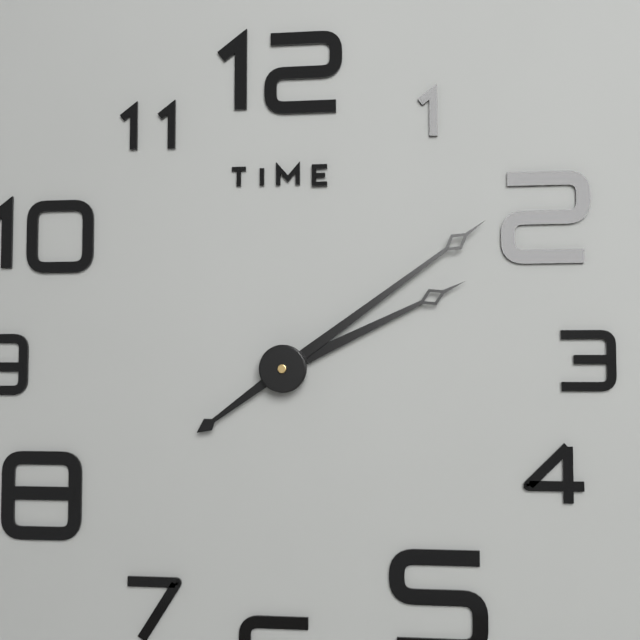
2h09
